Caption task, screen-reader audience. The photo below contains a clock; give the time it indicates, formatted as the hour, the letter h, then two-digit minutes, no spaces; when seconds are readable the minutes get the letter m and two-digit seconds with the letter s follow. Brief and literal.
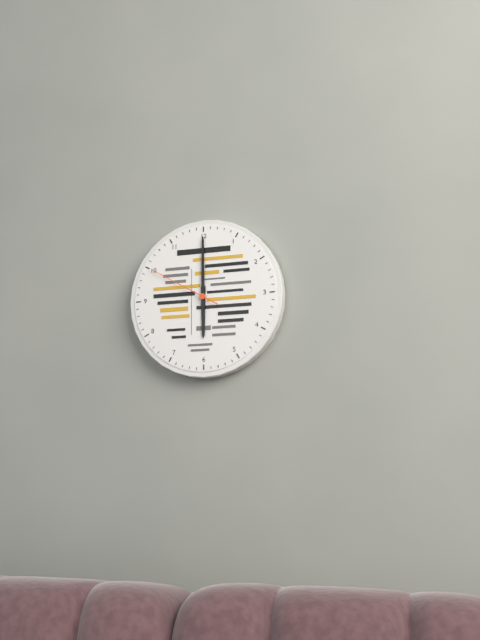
6h00m50s
